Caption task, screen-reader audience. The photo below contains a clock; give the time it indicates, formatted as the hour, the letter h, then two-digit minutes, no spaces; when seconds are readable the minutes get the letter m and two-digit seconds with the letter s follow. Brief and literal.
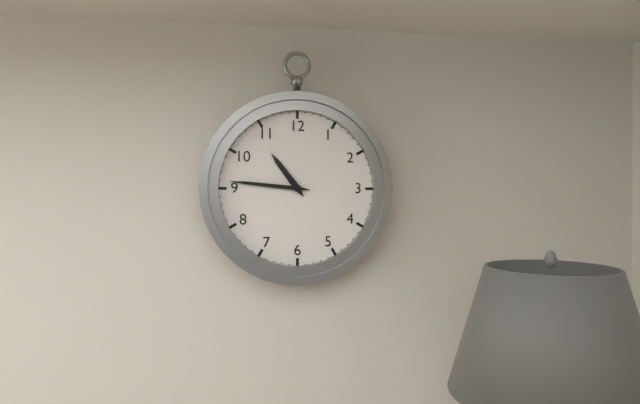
10h46
